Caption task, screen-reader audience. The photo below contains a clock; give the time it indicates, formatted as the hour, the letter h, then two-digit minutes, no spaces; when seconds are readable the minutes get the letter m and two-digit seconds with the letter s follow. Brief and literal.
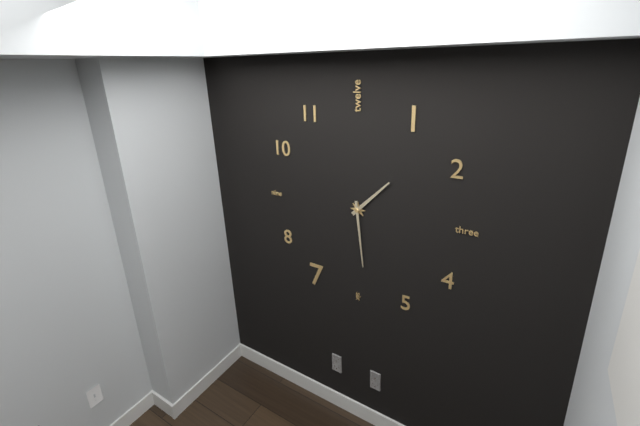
1h29
